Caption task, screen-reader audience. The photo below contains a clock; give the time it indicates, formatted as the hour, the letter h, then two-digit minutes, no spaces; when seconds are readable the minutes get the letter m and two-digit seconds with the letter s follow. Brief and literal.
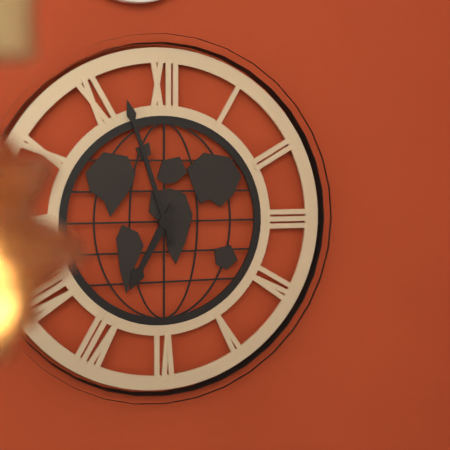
6h57
